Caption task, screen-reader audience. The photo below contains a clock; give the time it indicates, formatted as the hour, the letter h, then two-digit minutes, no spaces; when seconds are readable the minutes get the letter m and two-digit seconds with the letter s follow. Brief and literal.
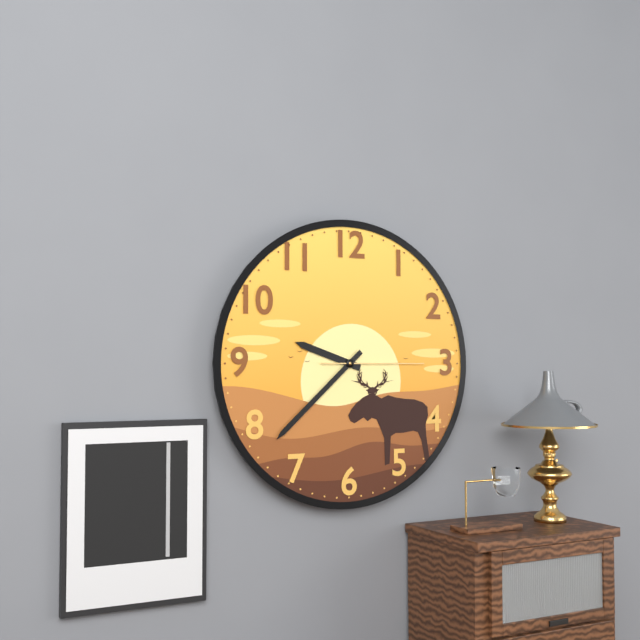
9h38m15s
